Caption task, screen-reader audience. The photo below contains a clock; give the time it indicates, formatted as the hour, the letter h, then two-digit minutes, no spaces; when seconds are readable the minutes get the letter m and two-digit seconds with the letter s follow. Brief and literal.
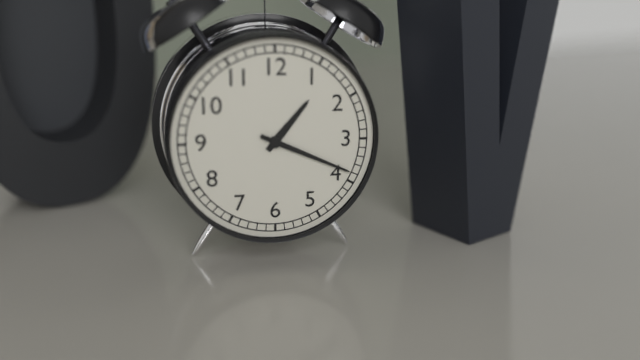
1h19
